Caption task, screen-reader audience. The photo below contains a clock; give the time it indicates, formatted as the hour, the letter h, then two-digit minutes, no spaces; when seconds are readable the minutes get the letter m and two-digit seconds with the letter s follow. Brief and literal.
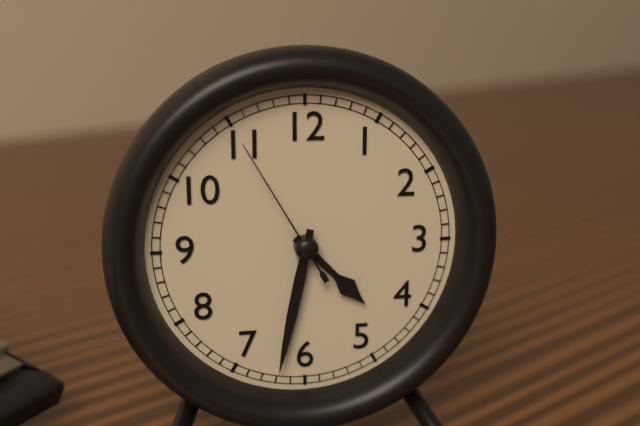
4h32m55s
